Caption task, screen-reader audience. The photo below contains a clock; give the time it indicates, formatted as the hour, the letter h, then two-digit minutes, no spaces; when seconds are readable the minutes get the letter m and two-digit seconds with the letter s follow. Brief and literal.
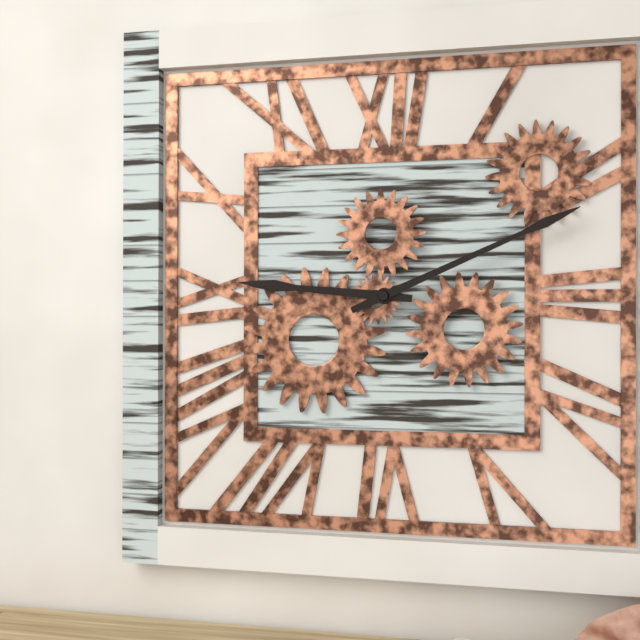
9h11
